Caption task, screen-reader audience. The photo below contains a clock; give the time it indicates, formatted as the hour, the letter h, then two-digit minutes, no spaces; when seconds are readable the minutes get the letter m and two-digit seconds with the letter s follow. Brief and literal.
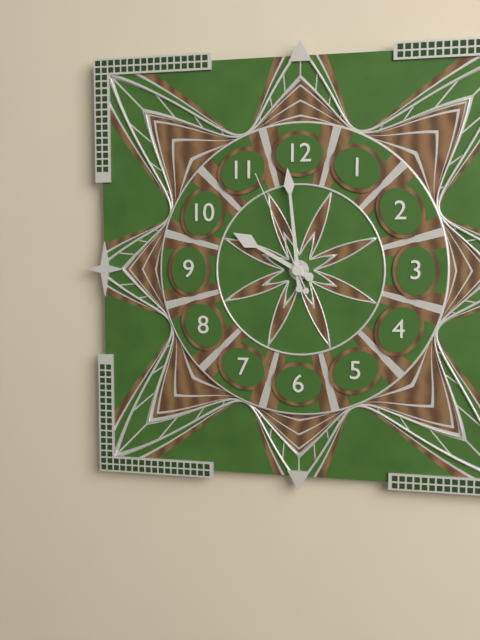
9h59m56s
